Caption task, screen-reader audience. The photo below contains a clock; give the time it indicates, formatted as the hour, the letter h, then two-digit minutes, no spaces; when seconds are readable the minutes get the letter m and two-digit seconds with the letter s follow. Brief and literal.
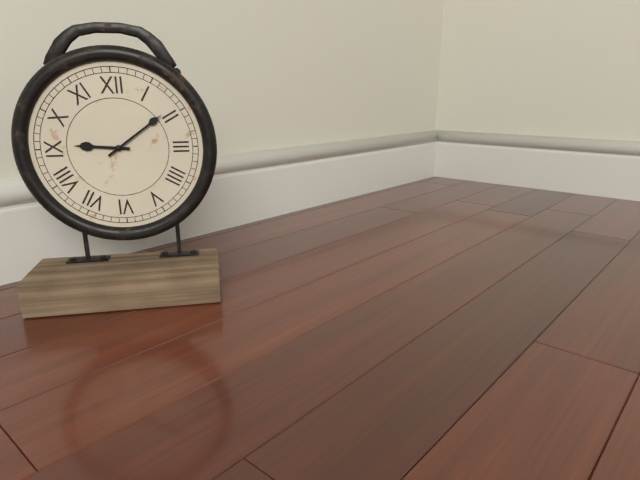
9h09
